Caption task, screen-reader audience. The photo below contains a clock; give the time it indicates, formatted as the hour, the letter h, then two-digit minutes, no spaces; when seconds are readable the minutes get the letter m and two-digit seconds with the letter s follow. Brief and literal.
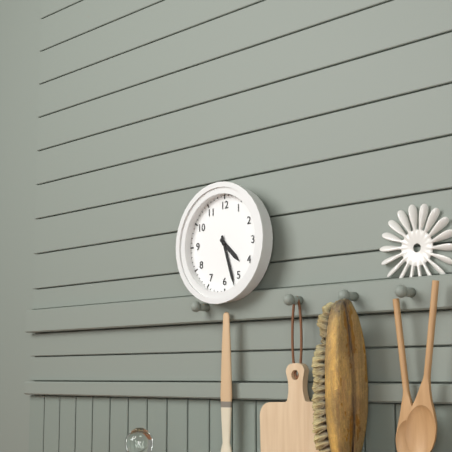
4h27
